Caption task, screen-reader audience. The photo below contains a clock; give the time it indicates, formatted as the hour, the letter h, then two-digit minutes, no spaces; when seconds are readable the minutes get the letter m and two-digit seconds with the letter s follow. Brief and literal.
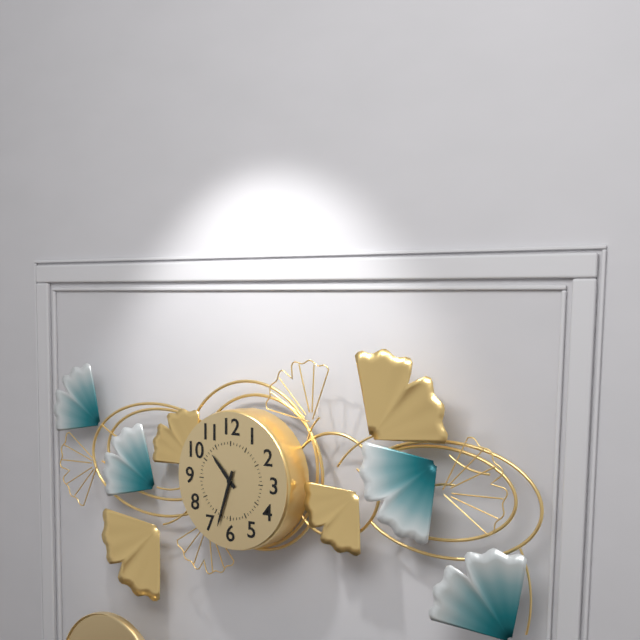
10h33
